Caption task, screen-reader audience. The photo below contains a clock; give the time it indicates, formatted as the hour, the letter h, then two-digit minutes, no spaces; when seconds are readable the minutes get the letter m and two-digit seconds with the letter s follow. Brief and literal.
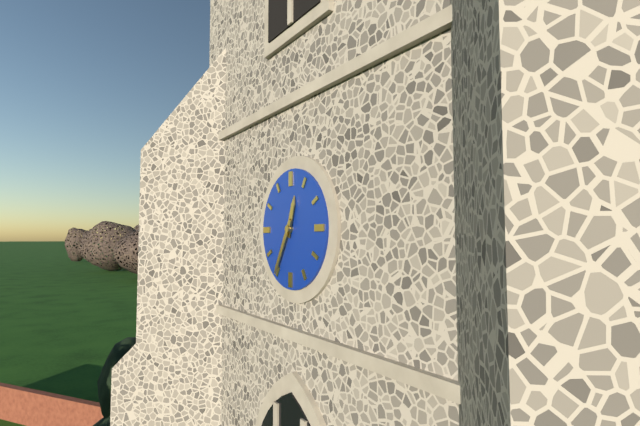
12h35
